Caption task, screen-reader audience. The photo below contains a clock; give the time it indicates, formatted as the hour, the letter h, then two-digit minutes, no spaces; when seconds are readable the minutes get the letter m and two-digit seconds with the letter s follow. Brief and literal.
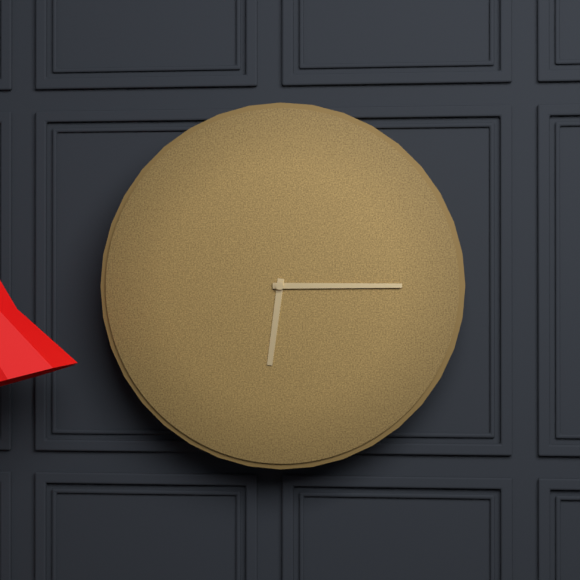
6h15
